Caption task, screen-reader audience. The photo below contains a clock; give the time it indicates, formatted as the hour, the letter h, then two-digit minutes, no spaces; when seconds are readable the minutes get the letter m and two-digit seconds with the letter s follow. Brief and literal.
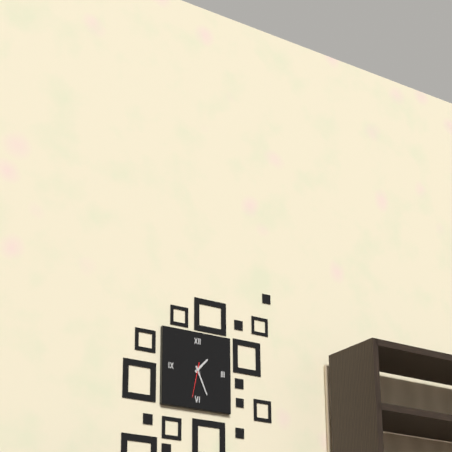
1h26
